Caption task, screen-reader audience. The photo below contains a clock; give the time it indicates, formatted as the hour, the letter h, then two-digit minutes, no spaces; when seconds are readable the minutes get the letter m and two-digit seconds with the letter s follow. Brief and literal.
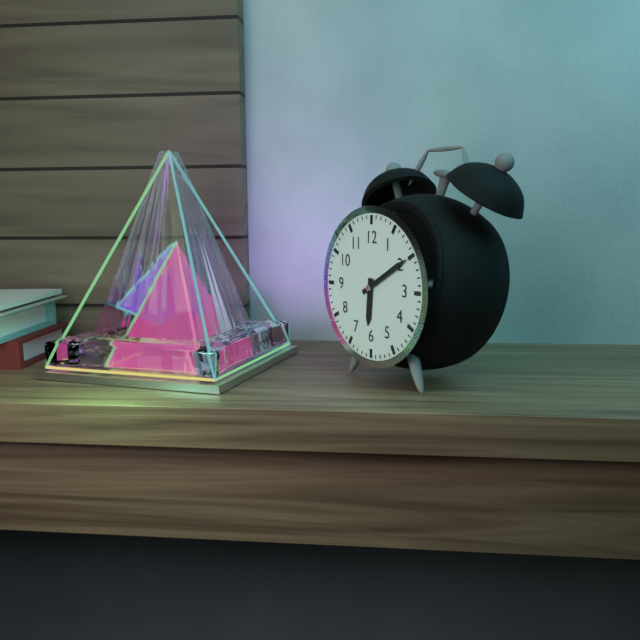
6h10
